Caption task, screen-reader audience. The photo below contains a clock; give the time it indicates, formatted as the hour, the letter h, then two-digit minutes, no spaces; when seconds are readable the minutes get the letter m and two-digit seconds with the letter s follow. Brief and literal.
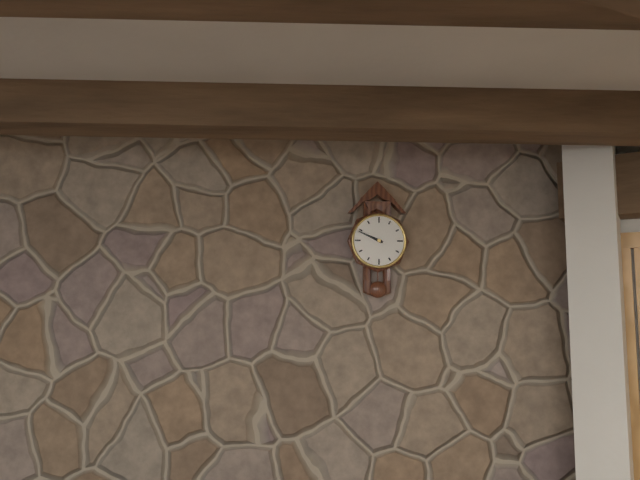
9h49
